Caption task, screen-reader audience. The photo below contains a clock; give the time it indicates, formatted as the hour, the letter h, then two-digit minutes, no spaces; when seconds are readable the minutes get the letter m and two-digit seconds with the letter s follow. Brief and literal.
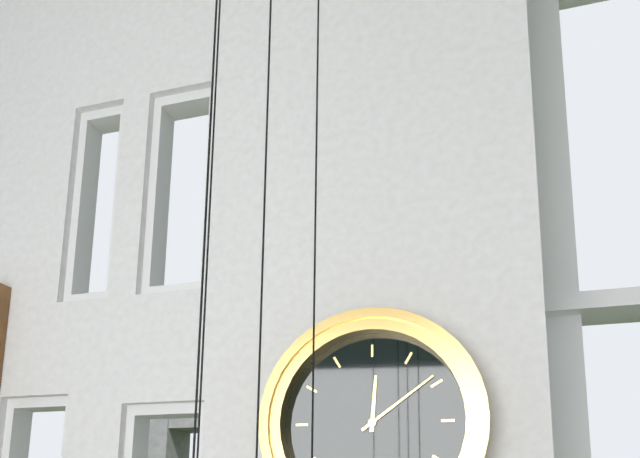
12h09
